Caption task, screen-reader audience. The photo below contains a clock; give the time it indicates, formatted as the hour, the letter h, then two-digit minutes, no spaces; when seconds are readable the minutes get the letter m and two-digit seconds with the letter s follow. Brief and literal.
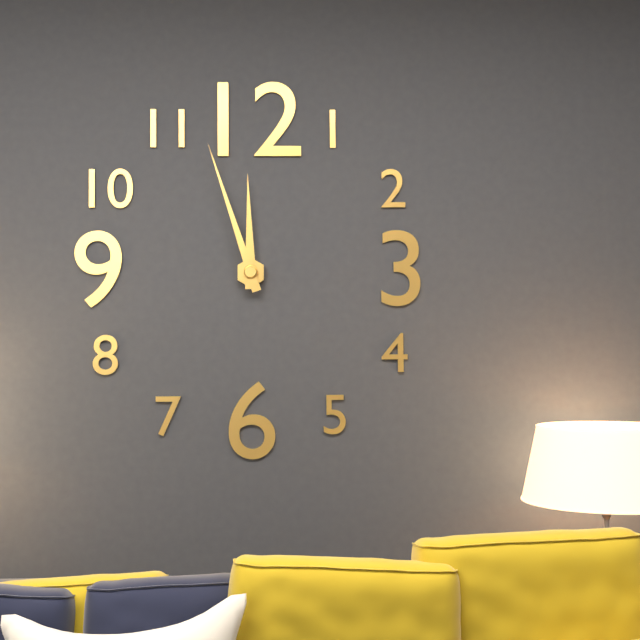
11h57
